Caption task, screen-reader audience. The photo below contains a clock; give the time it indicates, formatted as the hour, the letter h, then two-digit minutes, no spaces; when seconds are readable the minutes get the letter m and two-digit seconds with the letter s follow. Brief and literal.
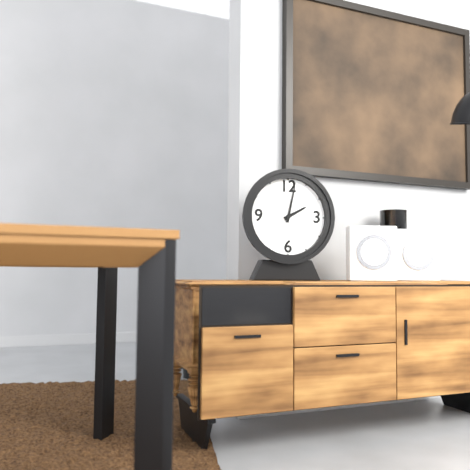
2h02
